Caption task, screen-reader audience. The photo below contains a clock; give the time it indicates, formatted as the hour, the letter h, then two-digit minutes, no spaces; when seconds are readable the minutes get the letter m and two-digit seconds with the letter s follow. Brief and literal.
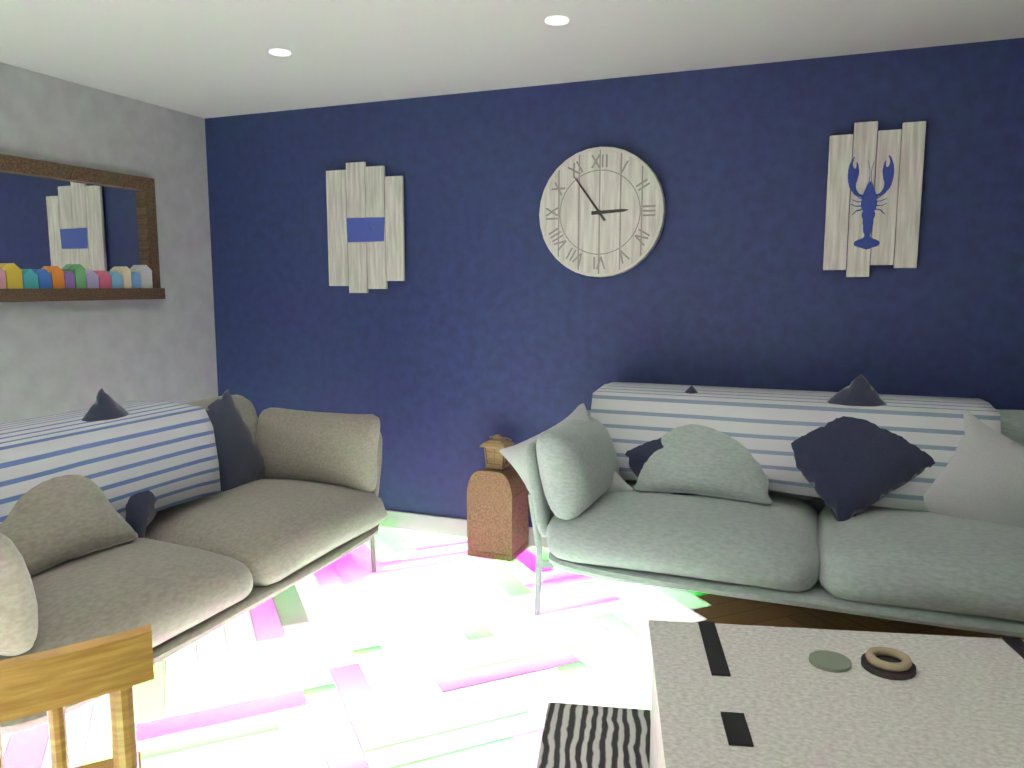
2h54
